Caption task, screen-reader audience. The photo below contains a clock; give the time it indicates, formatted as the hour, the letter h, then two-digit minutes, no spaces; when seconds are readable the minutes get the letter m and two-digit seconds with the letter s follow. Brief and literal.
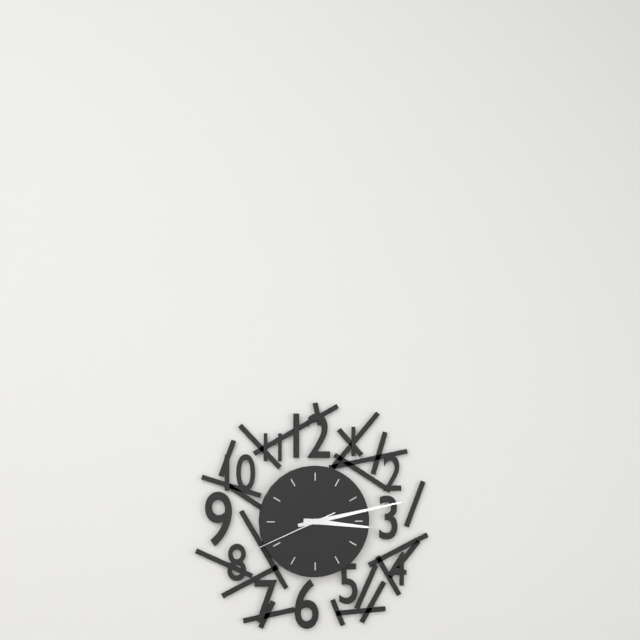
3h13m41s
